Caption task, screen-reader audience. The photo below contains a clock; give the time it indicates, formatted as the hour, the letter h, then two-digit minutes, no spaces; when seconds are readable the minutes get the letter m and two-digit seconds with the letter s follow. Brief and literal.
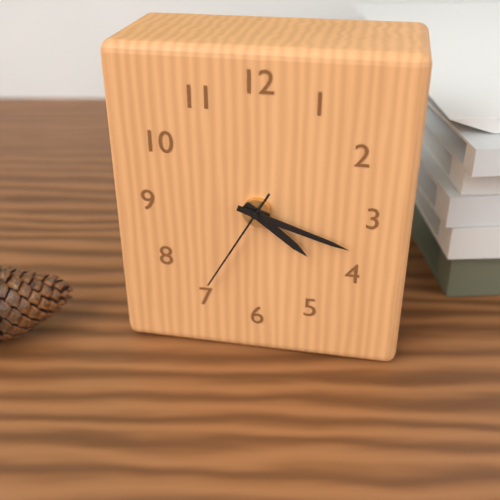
4h18m35s
